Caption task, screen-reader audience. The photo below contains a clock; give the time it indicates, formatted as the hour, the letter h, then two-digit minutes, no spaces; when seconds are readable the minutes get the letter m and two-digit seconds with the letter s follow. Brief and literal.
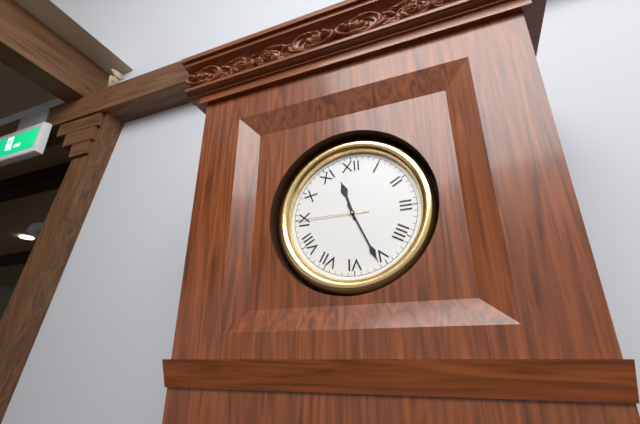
11h26m45s
